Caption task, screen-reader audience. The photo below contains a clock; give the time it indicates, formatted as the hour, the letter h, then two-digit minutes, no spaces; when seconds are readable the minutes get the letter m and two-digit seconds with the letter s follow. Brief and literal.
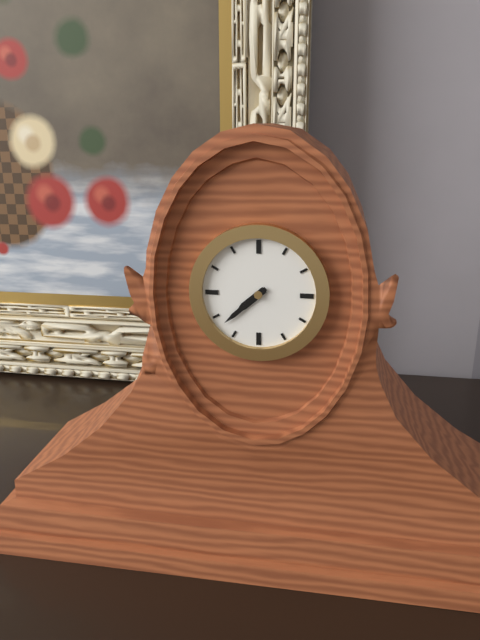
7h38
